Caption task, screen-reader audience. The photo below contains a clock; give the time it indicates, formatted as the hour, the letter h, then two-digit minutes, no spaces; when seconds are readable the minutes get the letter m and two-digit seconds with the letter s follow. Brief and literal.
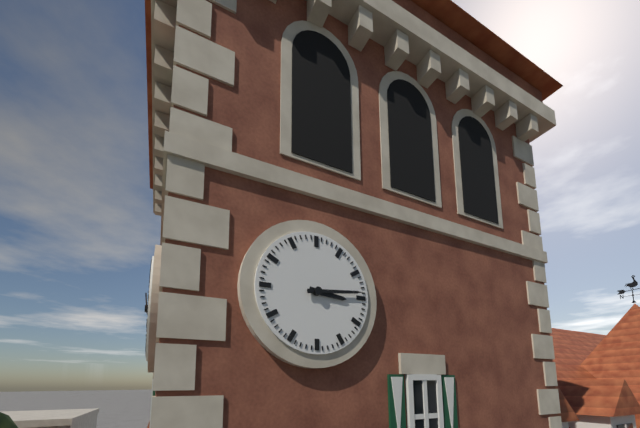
3h14
